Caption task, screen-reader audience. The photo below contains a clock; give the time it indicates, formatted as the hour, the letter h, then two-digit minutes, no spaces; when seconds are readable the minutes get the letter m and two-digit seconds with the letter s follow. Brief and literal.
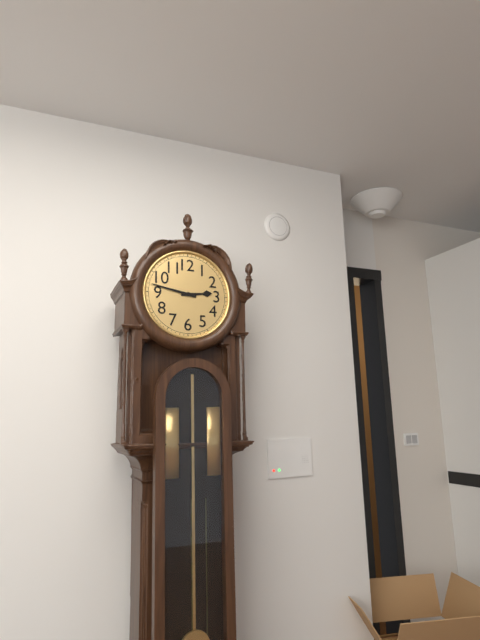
2h47
